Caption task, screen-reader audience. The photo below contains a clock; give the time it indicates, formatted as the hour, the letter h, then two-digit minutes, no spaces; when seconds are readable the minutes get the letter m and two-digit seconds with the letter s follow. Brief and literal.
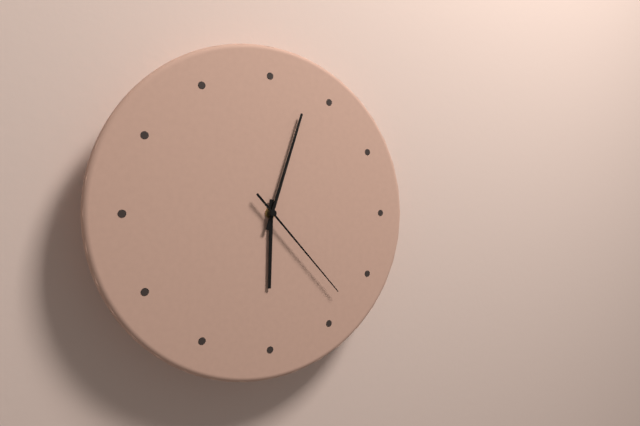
6h03m23s
